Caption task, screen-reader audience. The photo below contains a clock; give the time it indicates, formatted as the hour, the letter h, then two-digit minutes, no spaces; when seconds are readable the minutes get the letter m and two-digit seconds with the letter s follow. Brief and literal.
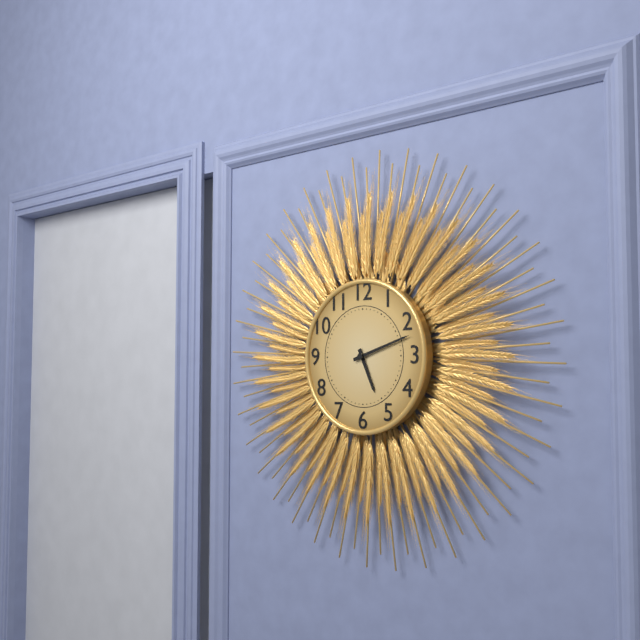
5h12
